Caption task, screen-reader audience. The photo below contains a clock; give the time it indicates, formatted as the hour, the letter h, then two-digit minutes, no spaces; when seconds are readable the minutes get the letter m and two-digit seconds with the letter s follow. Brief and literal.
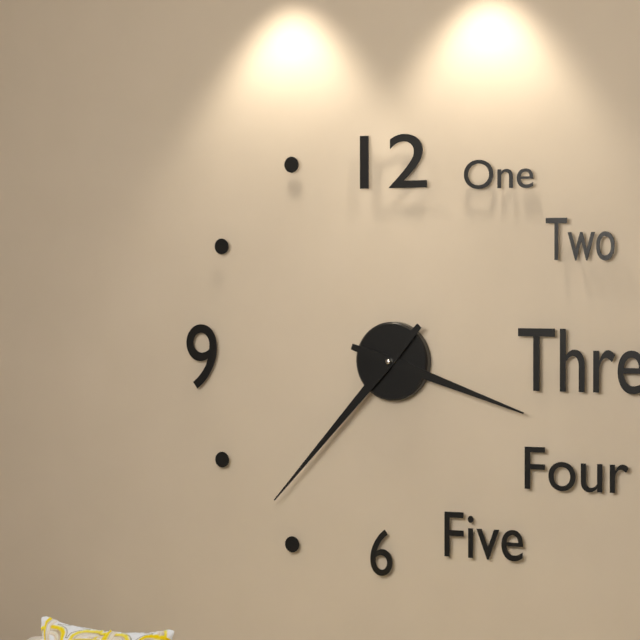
3h37
